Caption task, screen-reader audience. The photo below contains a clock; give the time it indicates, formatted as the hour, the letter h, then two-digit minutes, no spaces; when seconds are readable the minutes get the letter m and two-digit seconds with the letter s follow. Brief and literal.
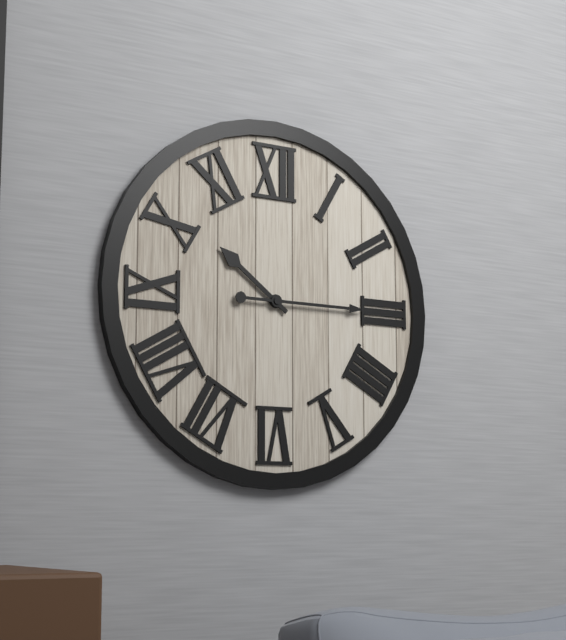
10h15
